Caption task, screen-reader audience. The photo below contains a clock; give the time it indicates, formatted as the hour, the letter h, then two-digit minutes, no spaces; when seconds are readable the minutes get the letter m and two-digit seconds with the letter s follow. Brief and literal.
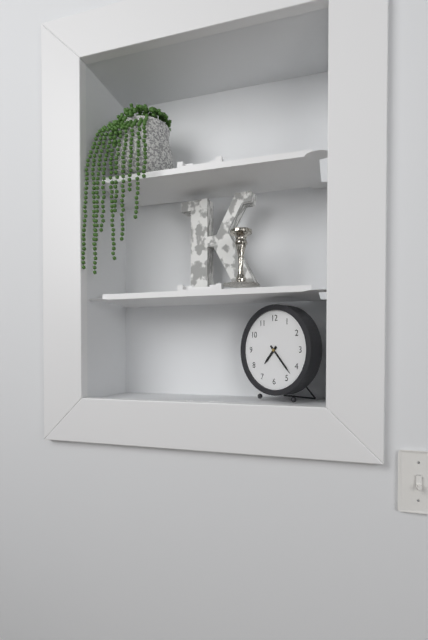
7h23
